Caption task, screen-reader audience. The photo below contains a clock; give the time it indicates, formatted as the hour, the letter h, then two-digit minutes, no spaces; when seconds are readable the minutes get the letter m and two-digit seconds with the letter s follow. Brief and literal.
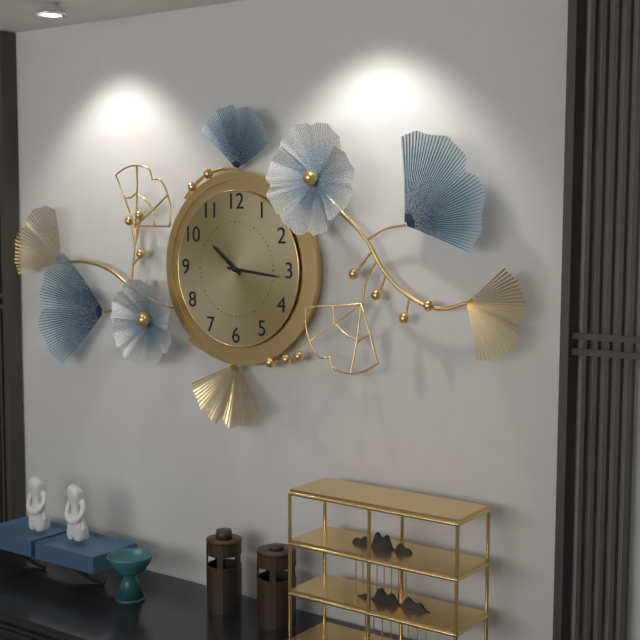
10h16
